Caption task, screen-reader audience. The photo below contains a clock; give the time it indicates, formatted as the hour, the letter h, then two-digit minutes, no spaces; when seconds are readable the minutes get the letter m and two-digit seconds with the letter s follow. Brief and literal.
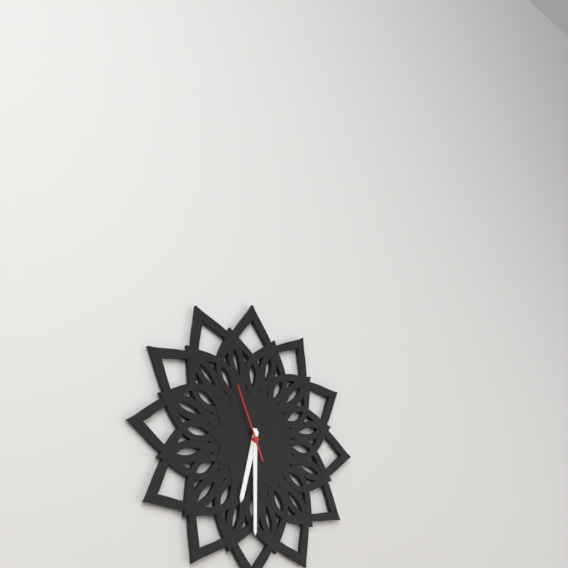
6h30m56s
